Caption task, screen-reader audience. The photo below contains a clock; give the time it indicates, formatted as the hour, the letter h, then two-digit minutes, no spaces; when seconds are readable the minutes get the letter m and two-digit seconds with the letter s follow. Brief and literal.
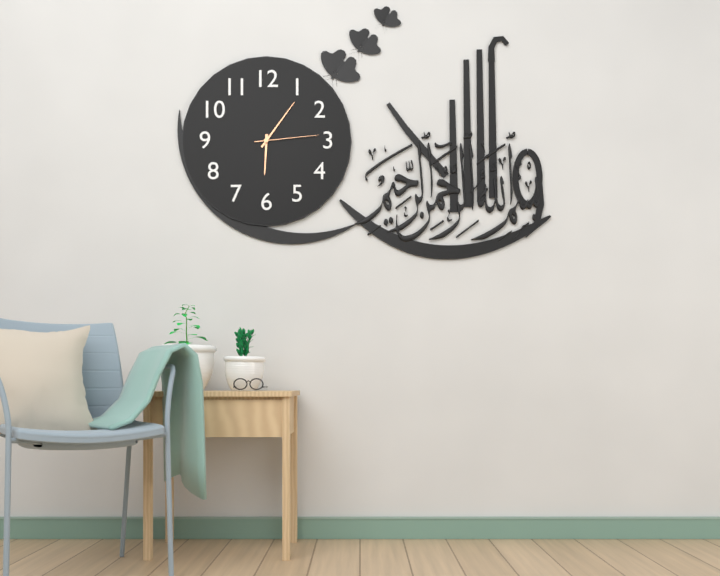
6h06m14s
